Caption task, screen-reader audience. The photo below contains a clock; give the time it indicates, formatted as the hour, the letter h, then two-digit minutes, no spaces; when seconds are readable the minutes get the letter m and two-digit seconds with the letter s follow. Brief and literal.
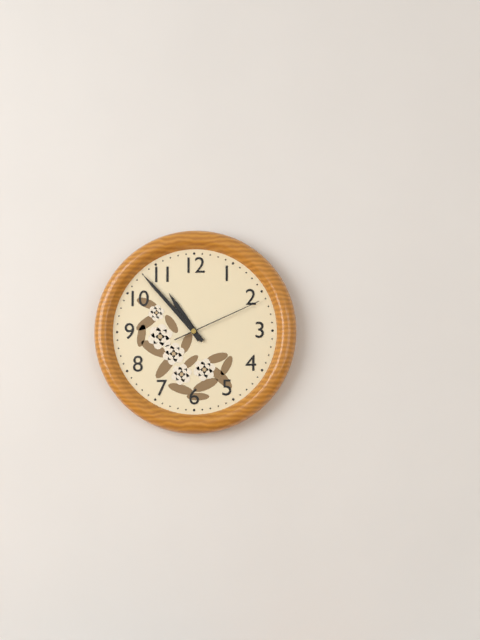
10h53m11s
